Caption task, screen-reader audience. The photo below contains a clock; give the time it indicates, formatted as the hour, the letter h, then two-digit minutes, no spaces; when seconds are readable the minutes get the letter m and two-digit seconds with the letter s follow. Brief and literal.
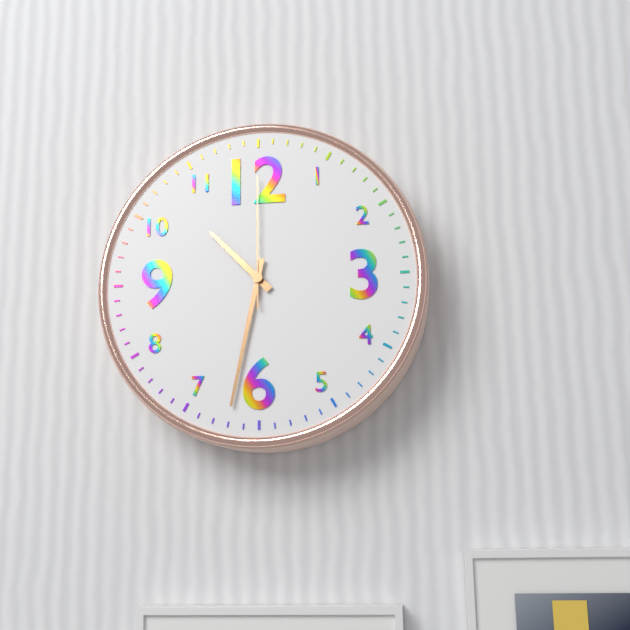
10h32m00s
